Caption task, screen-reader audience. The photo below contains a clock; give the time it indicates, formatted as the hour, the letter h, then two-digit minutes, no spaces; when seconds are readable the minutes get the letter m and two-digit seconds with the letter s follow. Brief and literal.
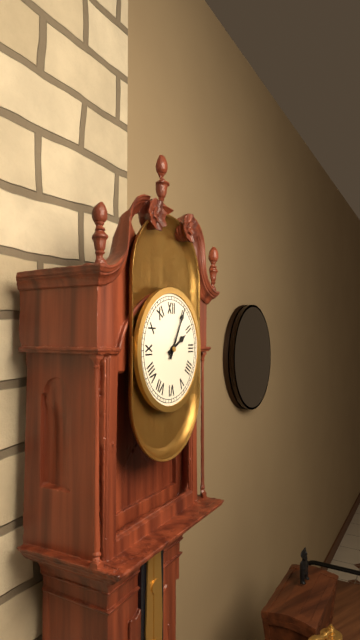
2h05
